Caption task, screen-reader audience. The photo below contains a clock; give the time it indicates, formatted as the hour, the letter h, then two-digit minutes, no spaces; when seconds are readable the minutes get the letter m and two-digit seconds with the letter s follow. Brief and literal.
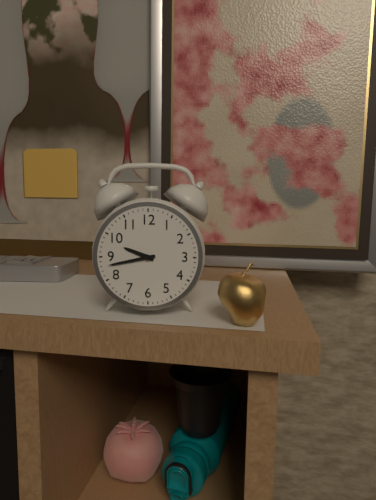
9h43
